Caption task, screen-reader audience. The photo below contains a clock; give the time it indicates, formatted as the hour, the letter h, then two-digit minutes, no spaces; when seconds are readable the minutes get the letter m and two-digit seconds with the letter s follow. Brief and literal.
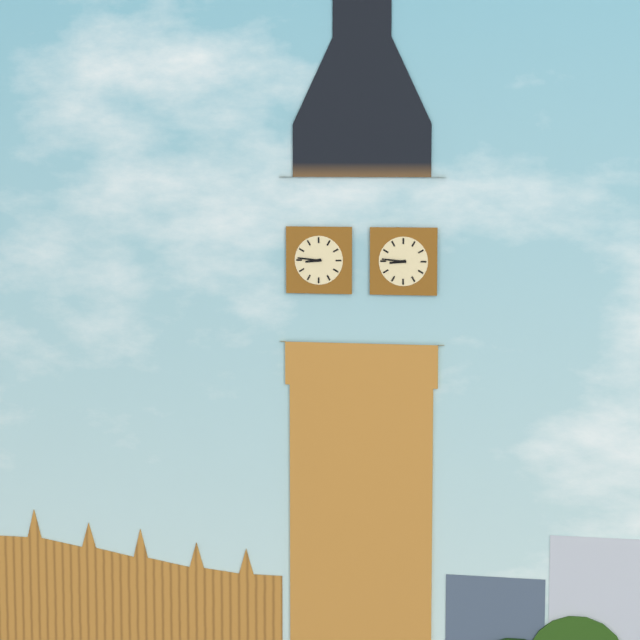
8h46
